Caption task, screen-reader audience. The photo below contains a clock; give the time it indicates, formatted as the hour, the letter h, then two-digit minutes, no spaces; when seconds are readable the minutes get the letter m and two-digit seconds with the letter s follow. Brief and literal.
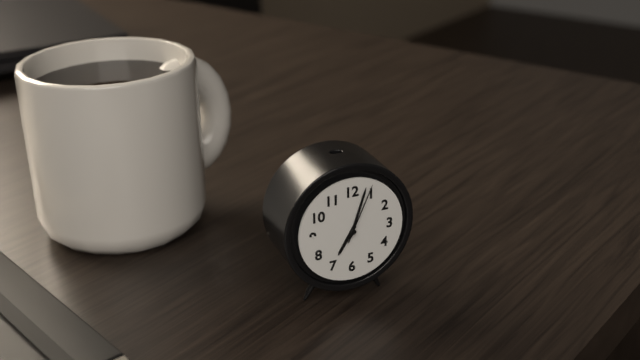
7h03m04s
